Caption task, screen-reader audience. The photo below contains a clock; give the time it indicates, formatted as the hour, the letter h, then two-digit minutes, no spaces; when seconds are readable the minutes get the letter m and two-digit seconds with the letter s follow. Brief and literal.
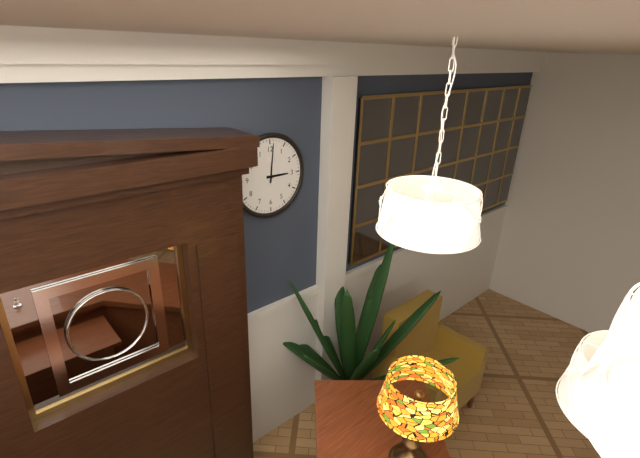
3h01
